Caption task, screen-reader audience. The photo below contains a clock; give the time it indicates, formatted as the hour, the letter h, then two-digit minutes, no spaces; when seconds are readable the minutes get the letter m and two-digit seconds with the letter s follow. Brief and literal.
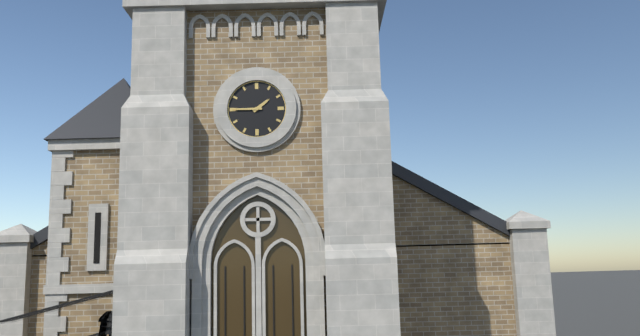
1h45
